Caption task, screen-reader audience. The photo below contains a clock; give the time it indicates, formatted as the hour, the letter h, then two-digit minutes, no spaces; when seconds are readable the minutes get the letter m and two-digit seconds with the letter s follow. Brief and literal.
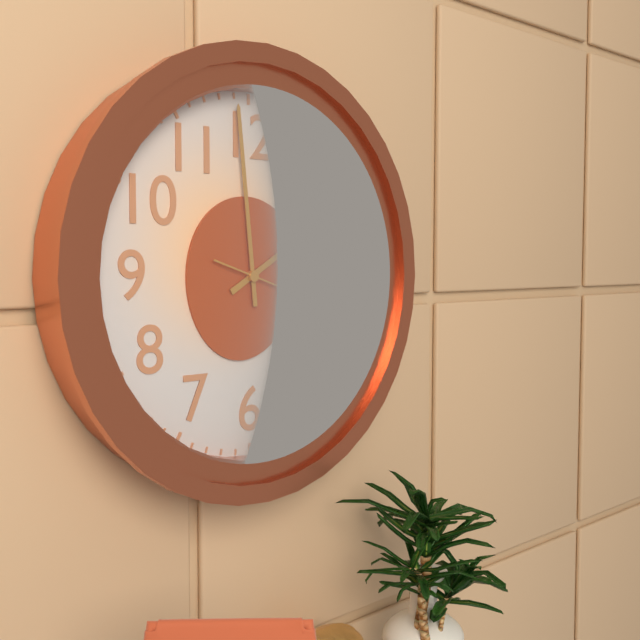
1h59m18s
